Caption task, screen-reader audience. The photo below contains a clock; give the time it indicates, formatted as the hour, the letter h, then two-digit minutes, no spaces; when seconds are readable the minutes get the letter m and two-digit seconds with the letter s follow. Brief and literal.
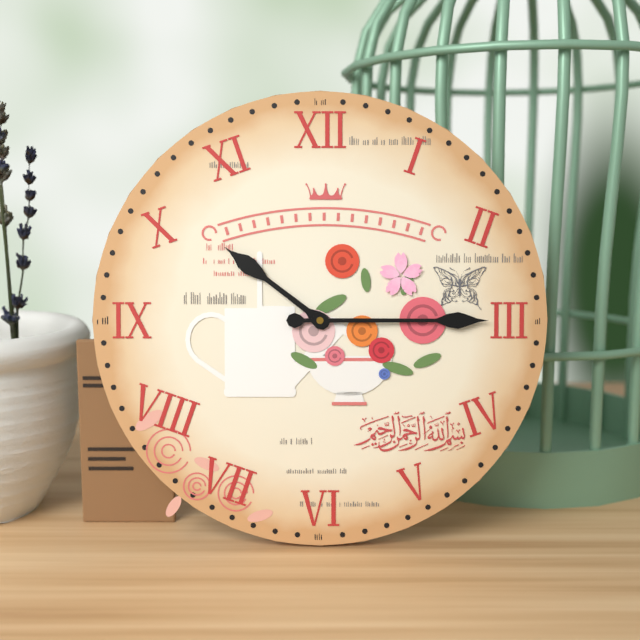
10h15
